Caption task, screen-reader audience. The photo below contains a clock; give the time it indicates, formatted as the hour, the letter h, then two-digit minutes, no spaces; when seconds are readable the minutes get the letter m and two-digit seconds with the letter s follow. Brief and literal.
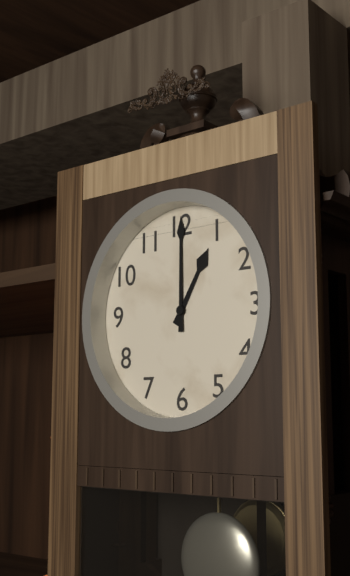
1h00
